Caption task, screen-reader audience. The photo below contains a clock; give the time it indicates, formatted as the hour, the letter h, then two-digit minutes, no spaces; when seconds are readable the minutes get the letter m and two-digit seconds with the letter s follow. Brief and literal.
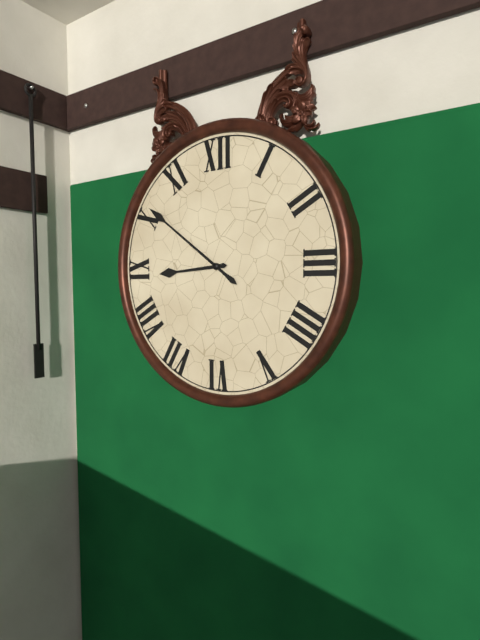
8h51
